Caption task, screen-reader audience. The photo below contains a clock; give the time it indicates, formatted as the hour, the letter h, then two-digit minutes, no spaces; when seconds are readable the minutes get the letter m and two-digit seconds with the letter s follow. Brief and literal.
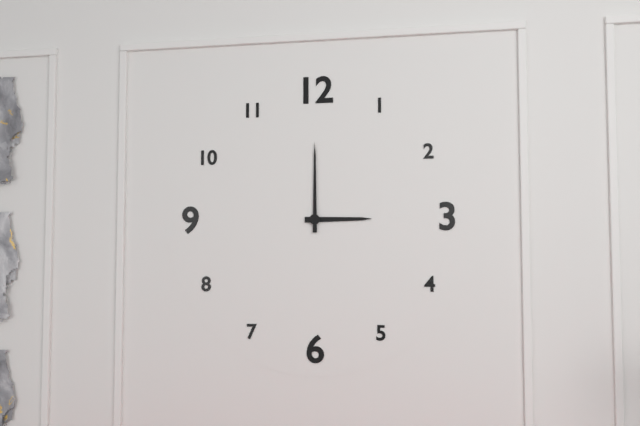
3h00
